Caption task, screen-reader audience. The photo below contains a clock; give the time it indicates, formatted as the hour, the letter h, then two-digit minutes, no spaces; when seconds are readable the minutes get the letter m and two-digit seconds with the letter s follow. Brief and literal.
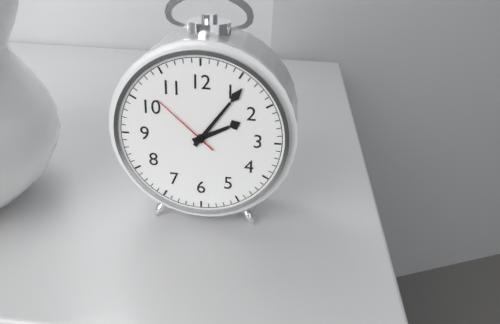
2h06m52s
